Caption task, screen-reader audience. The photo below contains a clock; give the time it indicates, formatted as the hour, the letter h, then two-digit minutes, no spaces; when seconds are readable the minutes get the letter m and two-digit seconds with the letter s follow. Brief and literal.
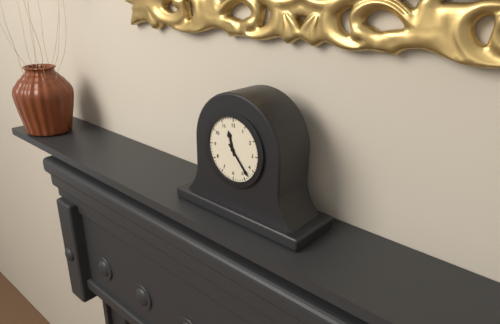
11h23
